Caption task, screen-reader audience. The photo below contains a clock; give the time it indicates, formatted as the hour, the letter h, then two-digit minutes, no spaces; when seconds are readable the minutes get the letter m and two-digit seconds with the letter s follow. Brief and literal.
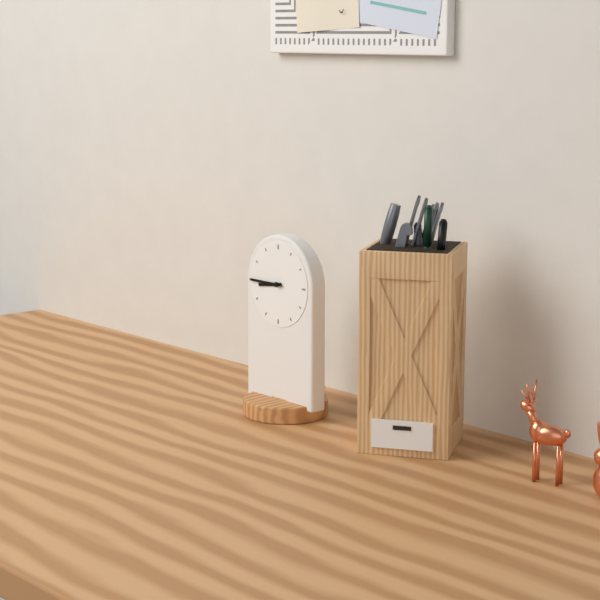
8h45
